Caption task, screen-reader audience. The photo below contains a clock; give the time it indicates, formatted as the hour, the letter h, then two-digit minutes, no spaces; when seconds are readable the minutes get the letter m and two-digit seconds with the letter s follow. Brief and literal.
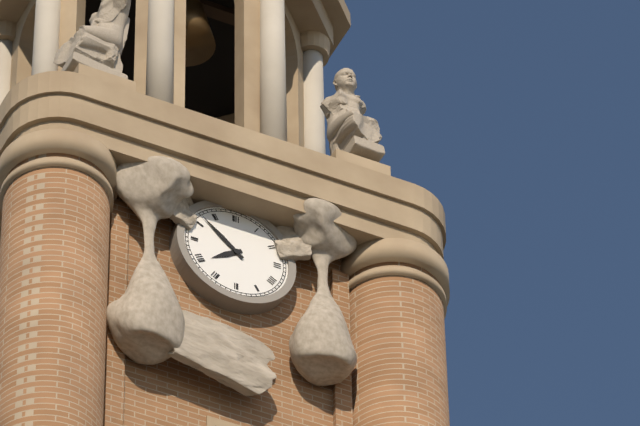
7h52
